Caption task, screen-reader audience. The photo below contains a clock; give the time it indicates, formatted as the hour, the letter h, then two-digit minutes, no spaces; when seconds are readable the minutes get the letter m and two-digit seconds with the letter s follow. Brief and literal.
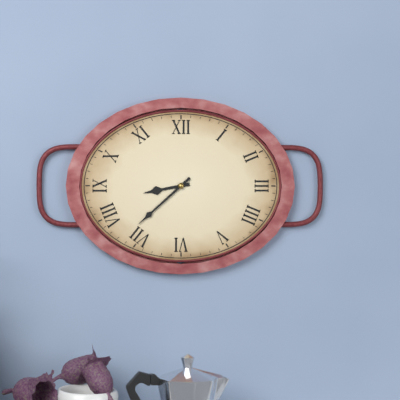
8h38
